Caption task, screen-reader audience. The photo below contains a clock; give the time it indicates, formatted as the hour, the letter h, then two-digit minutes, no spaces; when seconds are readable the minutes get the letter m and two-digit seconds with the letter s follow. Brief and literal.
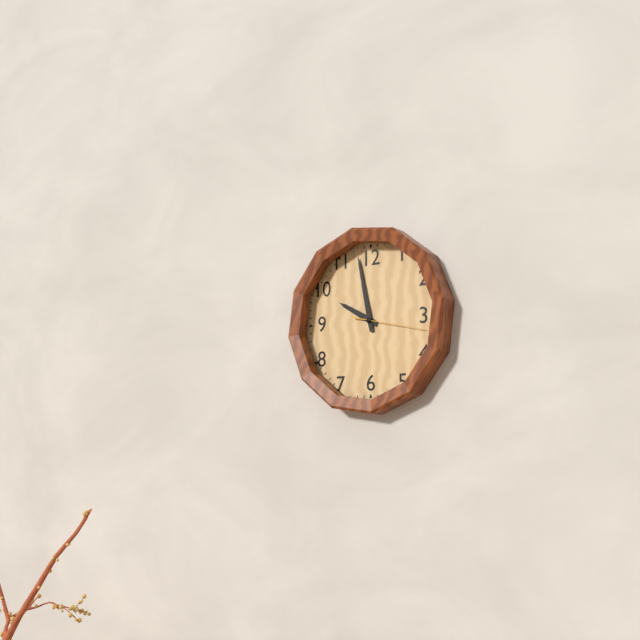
9h58m17s
